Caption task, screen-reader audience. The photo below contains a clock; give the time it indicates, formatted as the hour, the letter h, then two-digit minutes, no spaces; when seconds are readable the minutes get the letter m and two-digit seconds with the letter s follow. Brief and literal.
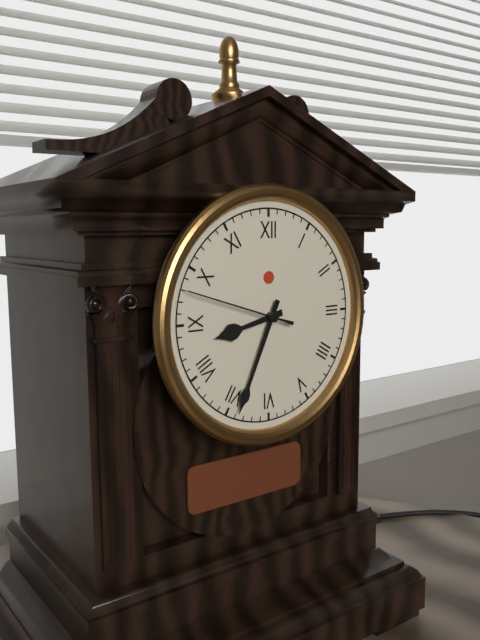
8h34m48s
